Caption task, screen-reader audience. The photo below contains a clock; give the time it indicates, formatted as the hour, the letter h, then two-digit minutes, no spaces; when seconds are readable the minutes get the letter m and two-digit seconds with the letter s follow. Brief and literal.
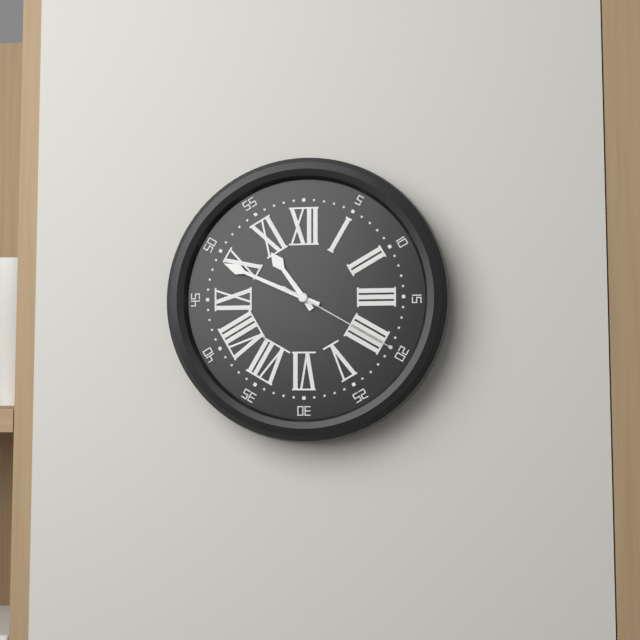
10h49m20s
